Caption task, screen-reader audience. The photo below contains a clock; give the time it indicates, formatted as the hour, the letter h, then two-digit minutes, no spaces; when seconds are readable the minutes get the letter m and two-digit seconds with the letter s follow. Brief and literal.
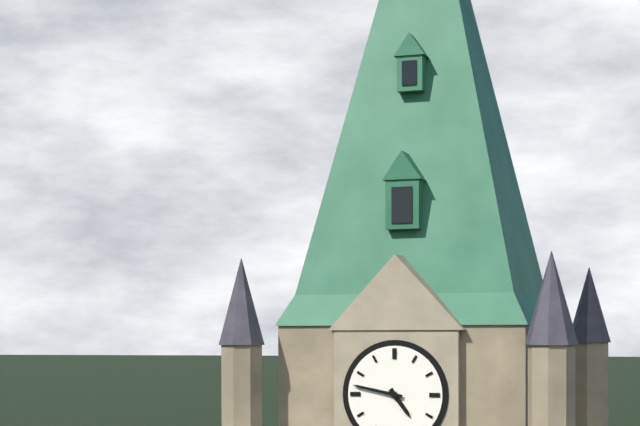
4h47
